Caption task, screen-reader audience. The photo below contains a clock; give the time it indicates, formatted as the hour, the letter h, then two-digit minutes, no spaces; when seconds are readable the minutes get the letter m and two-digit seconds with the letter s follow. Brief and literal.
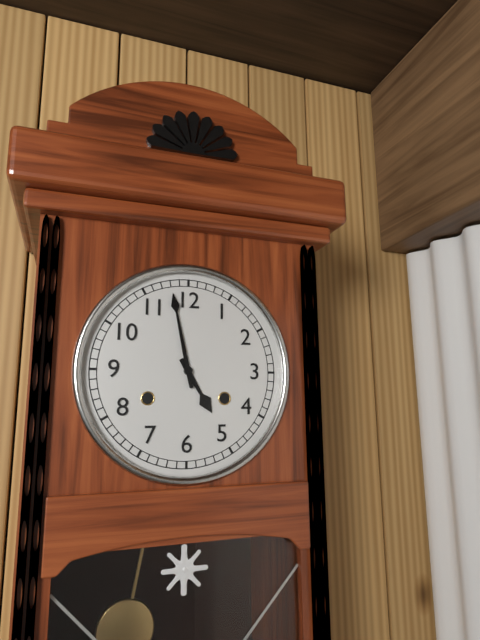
4h58
